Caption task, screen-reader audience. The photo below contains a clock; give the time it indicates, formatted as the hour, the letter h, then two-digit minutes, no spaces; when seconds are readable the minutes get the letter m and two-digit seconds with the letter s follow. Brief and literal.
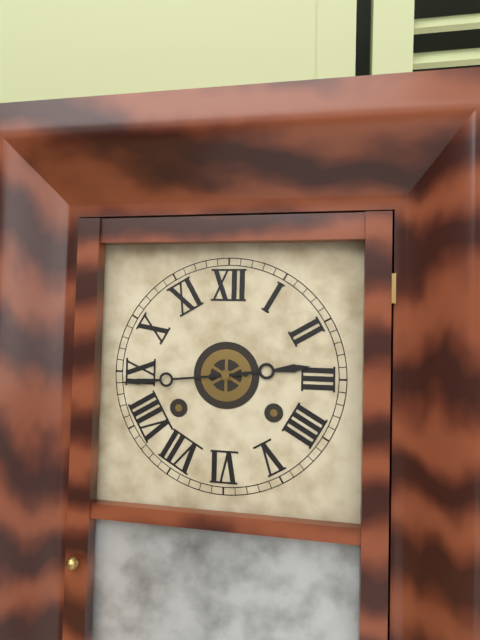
2h44
